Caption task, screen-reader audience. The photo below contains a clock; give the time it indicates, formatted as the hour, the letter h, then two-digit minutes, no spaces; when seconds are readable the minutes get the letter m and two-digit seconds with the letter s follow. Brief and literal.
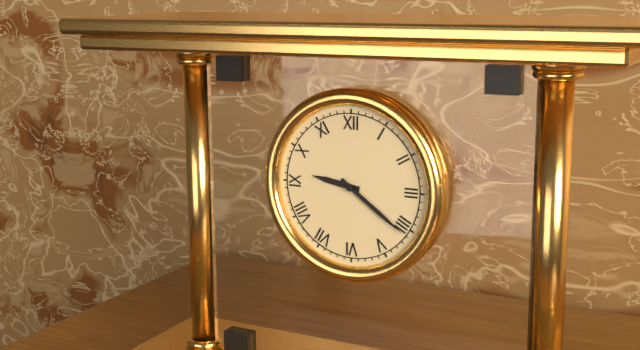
9h21
